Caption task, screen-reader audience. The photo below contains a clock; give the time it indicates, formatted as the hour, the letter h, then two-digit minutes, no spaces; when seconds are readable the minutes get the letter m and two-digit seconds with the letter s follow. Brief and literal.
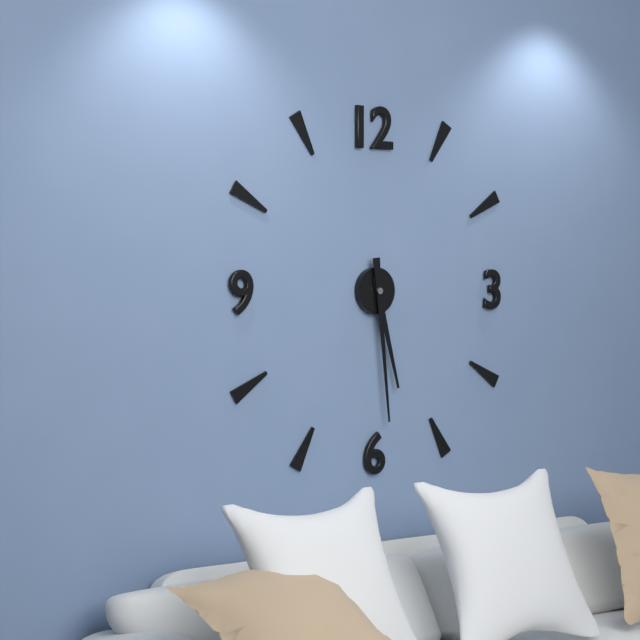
5h29
